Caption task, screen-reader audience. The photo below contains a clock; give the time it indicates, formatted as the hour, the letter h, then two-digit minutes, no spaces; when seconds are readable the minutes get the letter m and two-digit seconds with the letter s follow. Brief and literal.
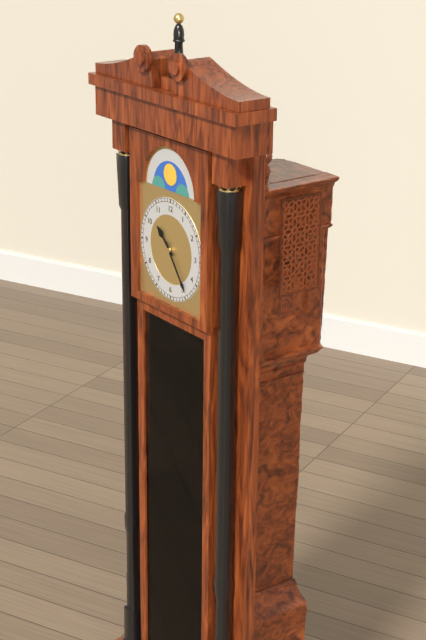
10h24
